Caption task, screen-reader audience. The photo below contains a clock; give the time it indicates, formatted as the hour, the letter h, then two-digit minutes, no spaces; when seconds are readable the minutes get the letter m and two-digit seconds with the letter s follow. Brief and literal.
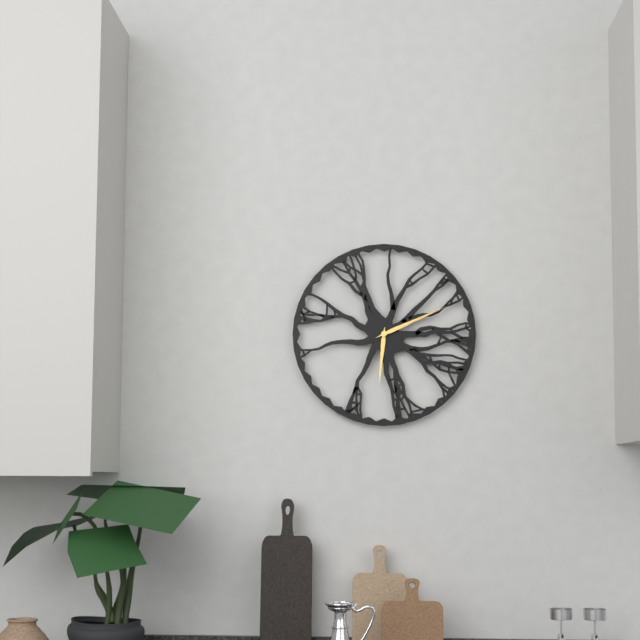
6h11
